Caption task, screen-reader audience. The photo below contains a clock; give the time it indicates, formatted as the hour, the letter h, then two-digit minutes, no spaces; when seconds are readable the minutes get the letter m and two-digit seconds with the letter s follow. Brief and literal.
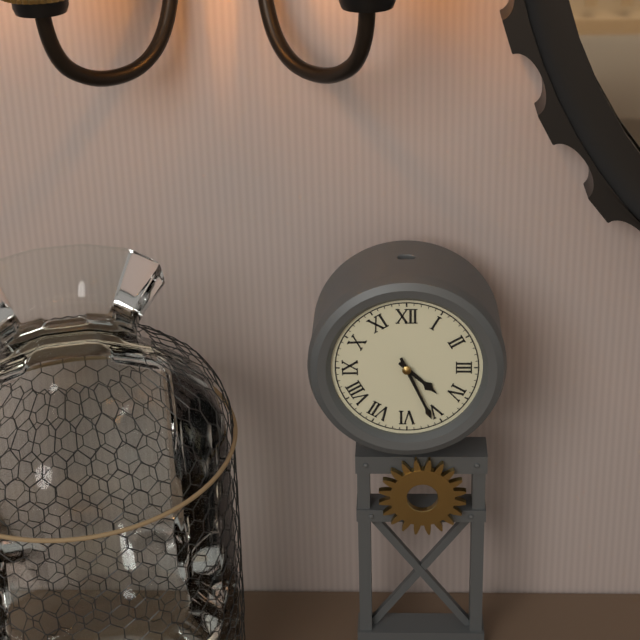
4h26
